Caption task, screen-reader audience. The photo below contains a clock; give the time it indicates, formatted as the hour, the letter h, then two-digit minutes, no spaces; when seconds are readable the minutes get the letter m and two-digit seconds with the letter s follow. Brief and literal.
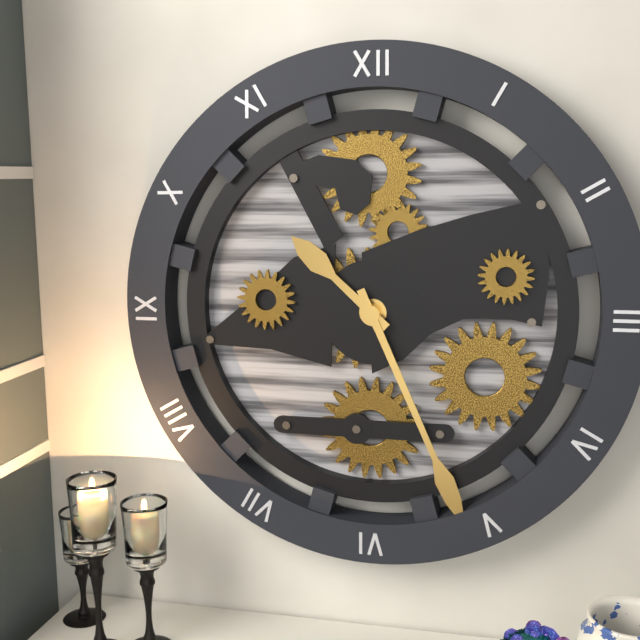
10h26
